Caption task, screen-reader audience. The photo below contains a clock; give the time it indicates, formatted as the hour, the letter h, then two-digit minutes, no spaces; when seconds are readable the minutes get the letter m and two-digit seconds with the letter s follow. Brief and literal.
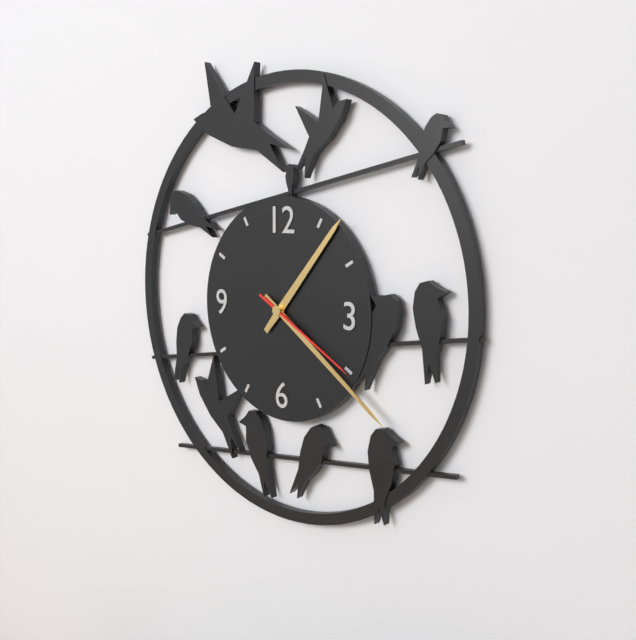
1h21m20s
